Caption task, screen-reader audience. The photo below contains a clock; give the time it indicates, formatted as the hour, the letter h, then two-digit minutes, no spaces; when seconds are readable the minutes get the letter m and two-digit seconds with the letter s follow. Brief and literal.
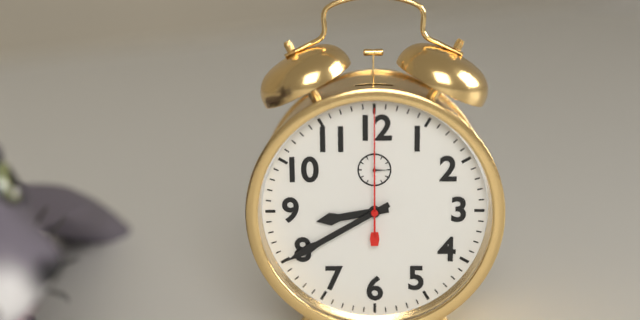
8h40m00s
